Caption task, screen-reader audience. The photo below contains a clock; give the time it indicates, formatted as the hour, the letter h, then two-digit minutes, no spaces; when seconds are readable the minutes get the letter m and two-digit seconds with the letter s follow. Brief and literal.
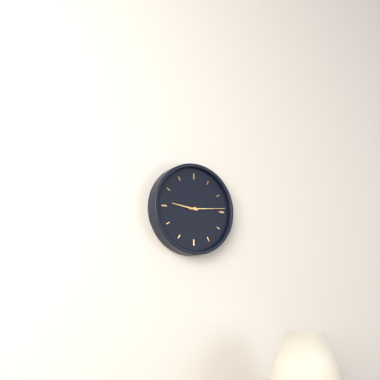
9h14
